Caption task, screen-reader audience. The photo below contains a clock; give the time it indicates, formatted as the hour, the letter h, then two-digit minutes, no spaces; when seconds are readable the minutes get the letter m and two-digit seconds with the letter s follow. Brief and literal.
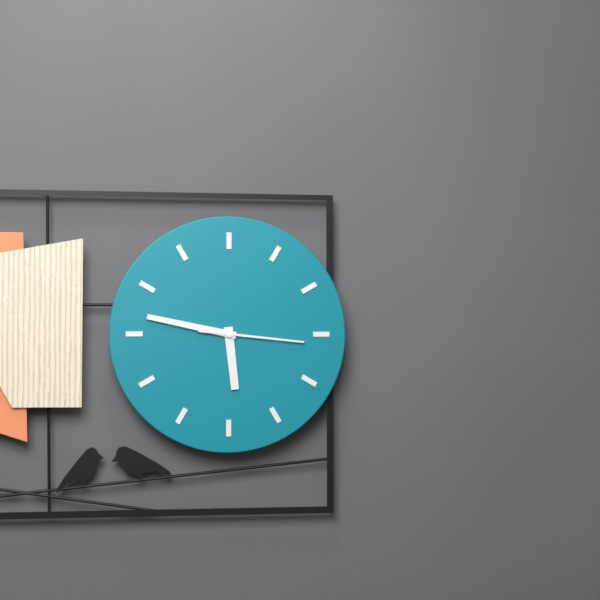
5h47m16s
